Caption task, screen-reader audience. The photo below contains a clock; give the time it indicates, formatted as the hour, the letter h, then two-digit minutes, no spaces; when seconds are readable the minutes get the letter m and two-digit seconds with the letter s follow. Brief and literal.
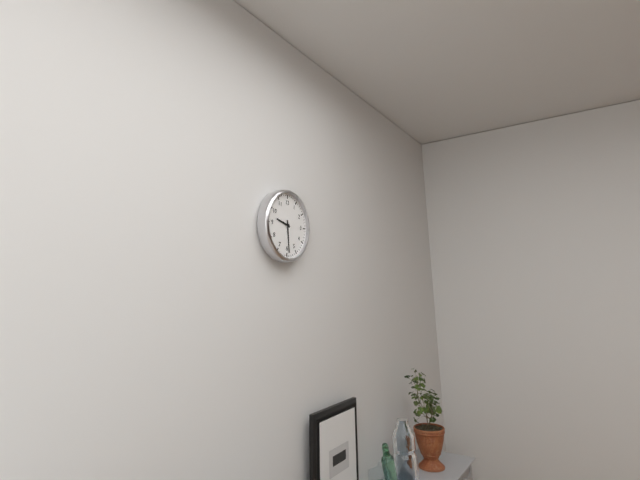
9h29
